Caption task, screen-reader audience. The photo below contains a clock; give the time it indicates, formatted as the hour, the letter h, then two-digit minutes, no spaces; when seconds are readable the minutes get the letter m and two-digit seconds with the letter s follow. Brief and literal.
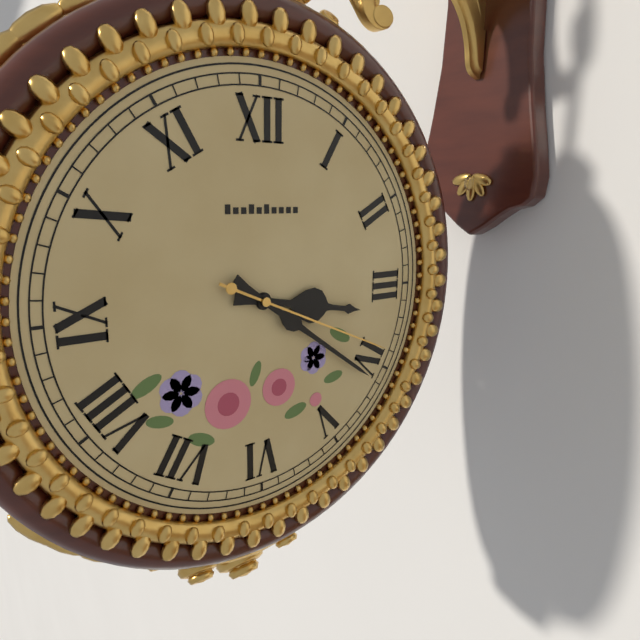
3h21m19s
